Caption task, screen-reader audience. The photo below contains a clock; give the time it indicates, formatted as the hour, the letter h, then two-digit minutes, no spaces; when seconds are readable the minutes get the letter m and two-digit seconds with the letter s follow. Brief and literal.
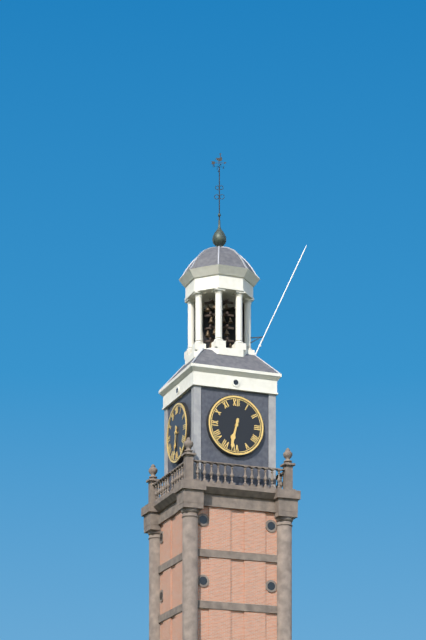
6h32
